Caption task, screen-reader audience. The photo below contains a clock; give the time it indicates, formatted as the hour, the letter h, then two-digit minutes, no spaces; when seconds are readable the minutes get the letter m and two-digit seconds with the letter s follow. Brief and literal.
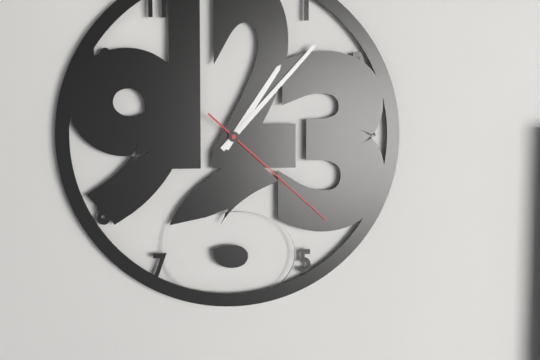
1h07m22s
